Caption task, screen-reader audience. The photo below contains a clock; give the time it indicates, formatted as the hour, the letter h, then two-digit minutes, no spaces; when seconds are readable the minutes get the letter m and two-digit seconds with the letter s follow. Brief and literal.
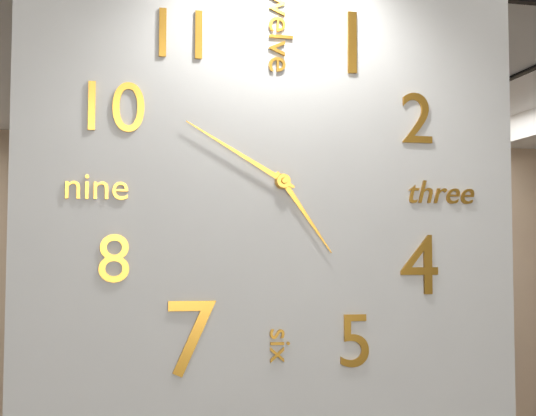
4h50
